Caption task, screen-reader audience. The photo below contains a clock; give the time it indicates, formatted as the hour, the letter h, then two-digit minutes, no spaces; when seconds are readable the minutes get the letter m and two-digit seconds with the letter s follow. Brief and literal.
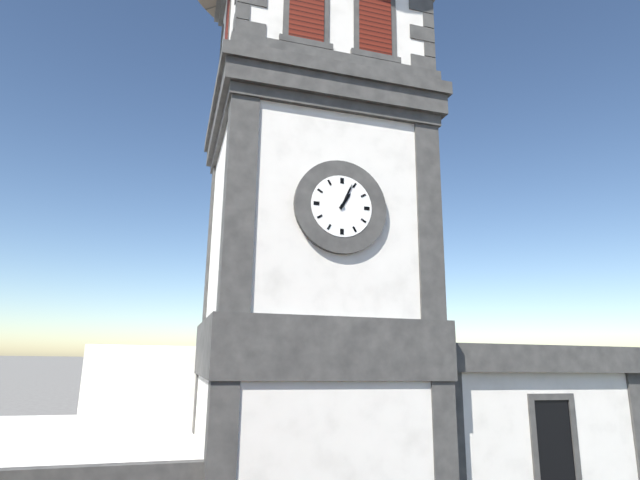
1h04
